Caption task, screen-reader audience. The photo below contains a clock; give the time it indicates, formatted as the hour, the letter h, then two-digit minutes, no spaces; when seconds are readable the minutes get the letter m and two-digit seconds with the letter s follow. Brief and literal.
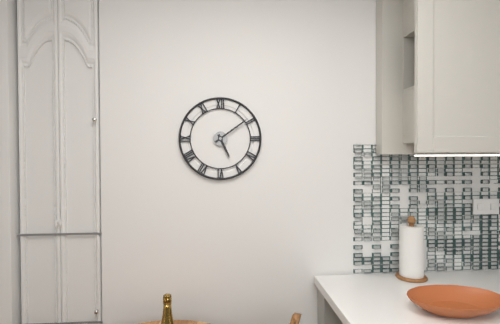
5h09
